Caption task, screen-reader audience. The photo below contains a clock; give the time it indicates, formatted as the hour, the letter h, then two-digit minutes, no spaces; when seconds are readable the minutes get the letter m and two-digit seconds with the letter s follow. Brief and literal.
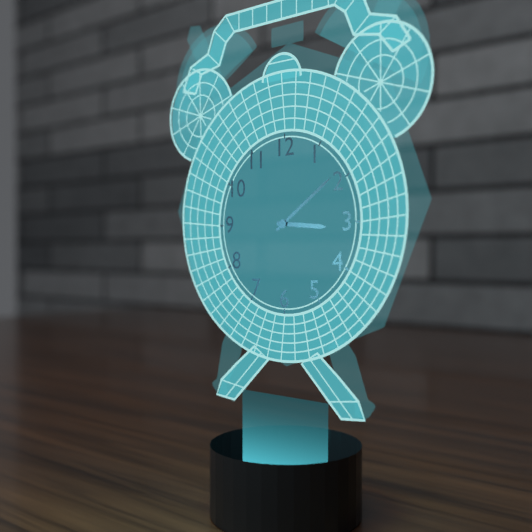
3h09
